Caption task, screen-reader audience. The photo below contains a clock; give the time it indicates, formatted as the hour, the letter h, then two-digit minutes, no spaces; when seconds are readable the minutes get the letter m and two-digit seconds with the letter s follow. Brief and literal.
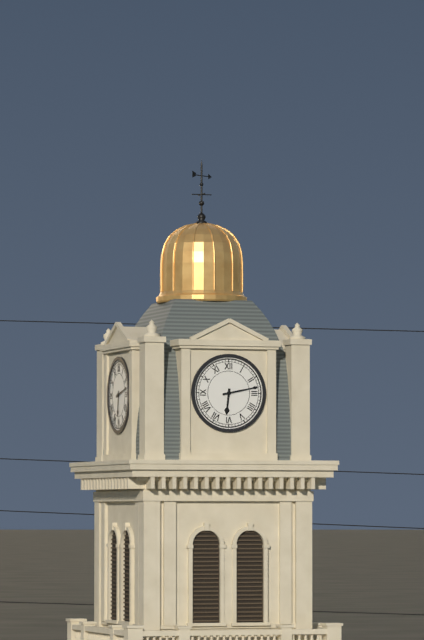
6h13
